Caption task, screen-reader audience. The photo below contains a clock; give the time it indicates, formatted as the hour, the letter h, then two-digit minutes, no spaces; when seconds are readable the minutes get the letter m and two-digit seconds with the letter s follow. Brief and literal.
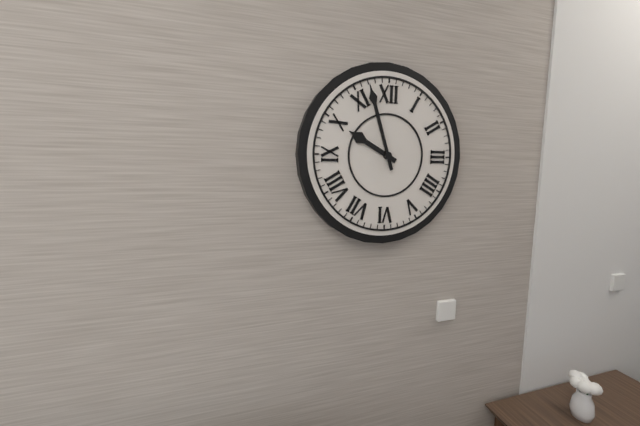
9h57
